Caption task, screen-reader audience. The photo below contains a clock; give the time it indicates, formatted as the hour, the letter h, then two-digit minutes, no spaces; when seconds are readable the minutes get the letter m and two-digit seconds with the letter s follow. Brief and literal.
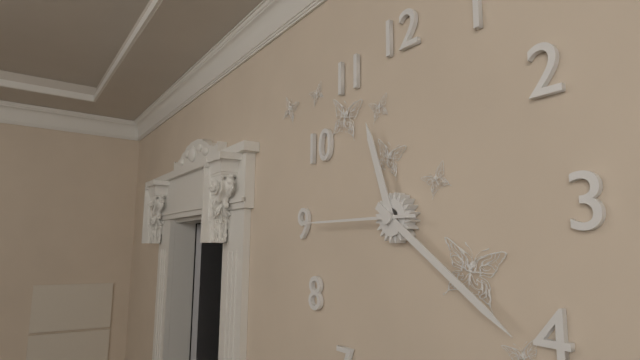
11h21m45s
